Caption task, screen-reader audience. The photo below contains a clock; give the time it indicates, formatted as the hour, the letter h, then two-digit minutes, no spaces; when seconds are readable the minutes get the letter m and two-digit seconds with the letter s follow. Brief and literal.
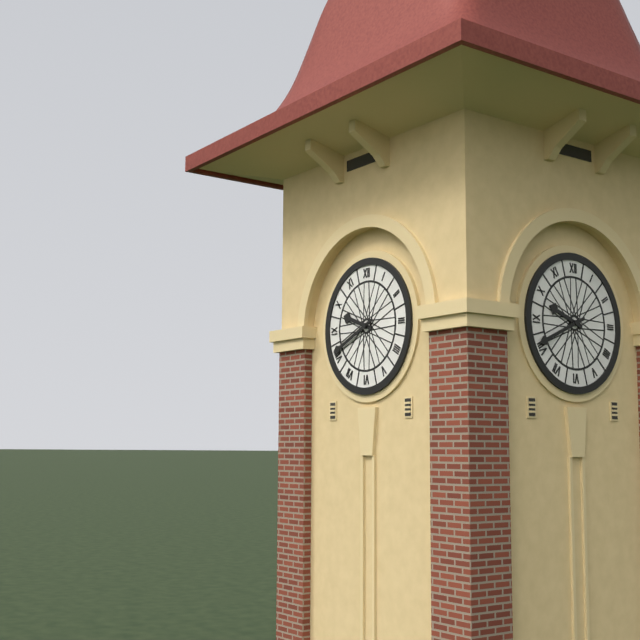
9h41
